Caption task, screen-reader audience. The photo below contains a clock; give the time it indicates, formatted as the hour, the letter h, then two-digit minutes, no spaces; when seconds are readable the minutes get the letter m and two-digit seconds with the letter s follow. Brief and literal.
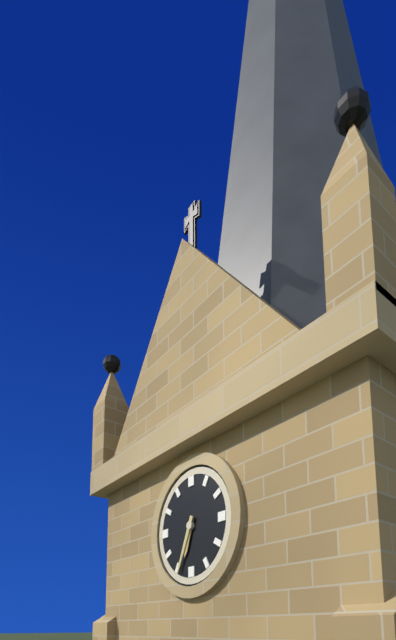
6h34
